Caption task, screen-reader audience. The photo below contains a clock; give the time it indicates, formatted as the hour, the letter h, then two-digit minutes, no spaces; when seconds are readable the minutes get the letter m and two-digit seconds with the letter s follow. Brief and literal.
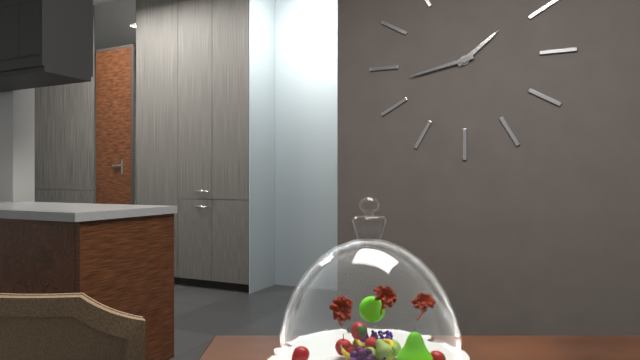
1h43
